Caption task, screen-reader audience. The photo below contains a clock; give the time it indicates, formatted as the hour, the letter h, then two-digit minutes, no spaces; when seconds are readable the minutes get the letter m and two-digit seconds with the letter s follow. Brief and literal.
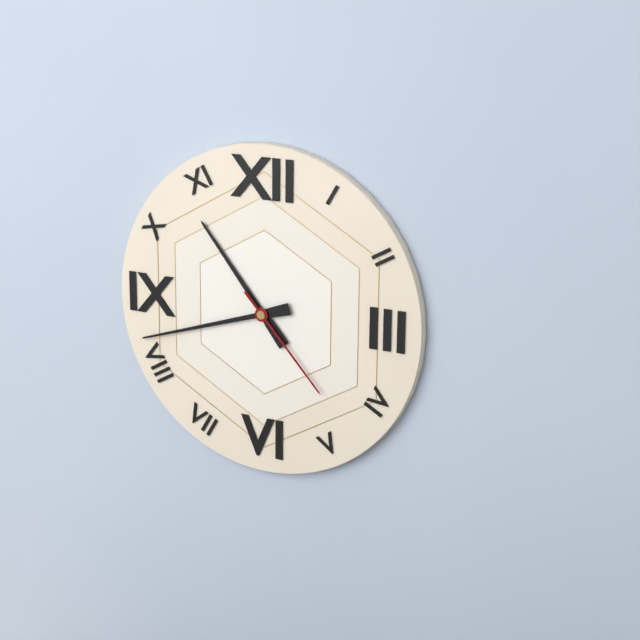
10h42m23s
